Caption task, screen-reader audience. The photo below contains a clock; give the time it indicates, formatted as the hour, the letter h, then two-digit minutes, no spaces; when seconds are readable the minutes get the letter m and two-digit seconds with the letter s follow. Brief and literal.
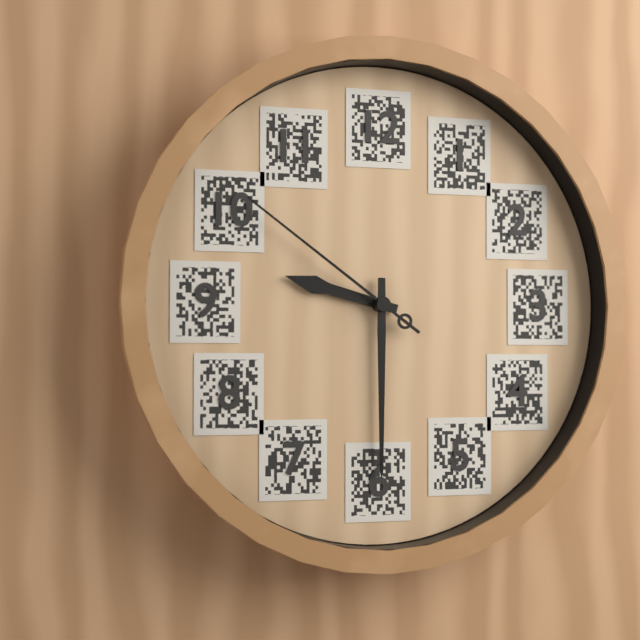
9h30m51s
